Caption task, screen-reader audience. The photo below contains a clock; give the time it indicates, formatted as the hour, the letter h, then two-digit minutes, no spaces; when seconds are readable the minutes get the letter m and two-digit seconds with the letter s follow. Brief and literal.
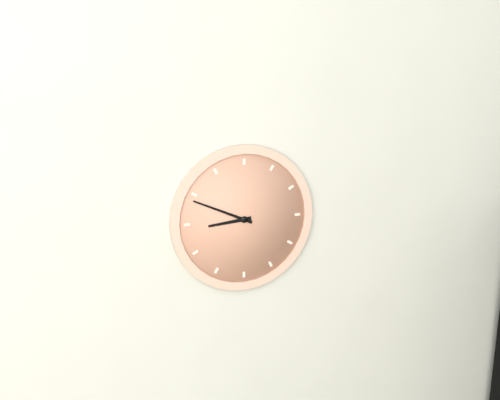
8h49
